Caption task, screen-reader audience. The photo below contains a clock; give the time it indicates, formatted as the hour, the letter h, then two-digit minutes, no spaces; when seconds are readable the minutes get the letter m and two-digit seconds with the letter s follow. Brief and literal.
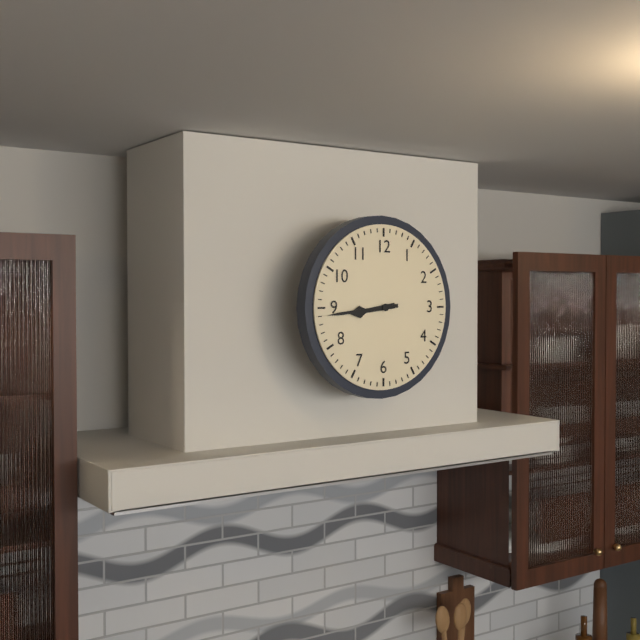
8h44
